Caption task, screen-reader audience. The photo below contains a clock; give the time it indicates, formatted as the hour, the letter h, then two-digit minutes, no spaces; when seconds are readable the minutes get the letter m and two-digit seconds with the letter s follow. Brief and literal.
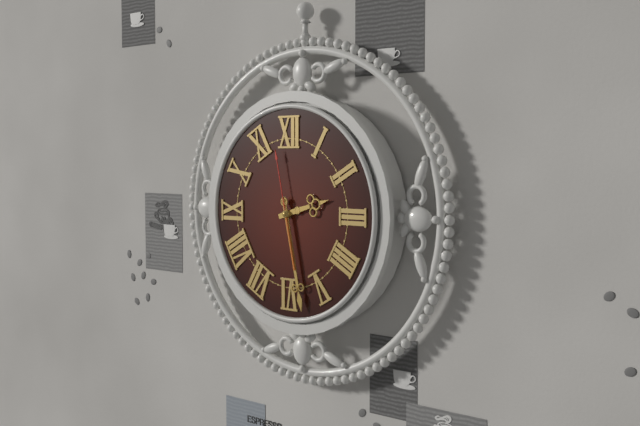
2h28m58s
